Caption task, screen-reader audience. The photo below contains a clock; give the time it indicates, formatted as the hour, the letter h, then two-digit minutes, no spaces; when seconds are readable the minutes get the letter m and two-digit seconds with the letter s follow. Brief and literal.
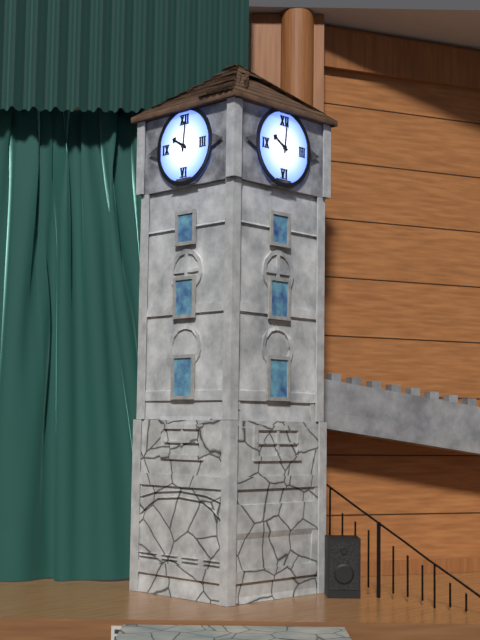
10h01
